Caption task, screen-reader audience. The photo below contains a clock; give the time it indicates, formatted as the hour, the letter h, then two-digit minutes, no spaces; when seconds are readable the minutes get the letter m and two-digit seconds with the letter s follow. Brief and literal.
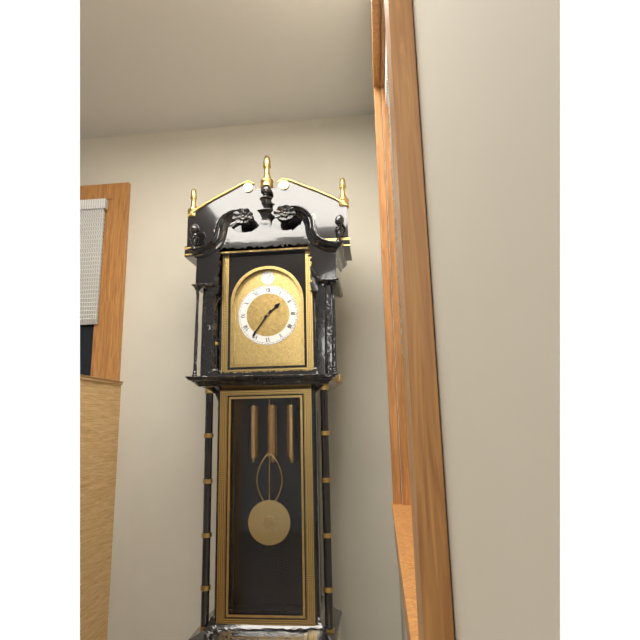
1h36
